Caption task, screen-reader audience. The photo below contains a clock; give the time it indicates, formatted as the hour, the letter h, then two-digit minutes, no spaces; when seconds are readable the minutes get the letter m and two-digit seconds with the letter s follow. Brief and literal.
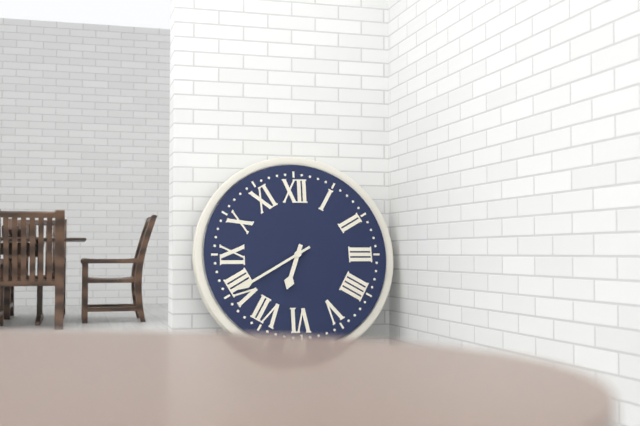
6h40
